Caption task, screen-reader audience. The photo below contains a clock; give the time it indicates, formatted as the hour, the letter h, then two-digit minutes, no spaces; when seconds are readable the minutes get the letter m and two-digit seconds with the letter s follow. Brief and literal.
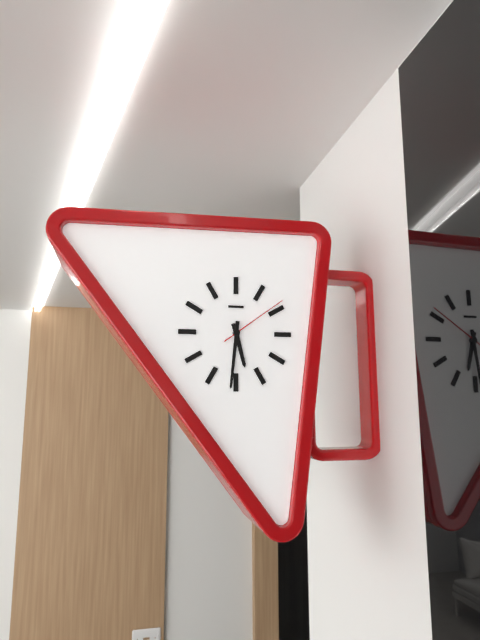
5h31m09s
